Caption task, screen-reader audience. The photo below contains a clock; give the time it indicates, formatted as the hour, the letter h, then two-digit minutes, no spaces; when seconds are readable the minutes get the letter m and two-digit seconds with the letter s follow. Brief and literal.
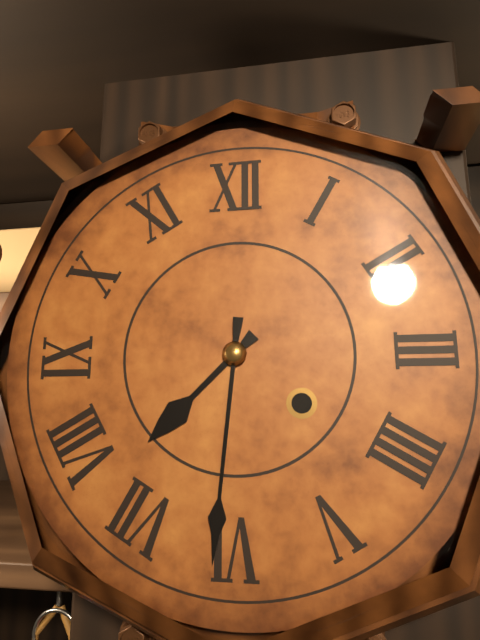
7h31
